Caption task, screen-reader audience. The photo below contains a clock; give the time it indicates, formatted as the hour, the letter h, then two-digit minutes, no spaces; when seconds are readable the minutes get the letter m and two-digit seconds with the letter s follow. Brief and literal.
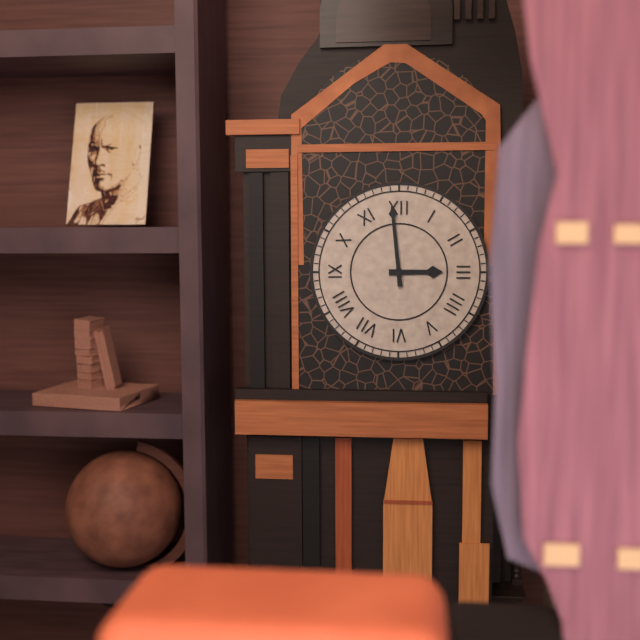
2h59
